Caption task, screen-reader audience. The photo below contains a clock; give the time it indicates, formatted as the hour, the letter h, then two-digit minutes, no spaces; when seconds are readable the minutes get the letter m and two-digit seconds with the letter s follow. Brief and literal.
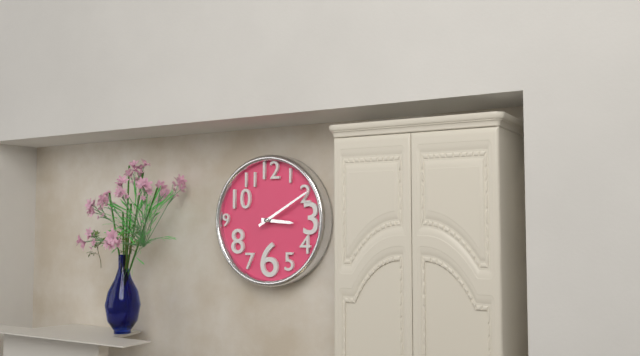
3h10
